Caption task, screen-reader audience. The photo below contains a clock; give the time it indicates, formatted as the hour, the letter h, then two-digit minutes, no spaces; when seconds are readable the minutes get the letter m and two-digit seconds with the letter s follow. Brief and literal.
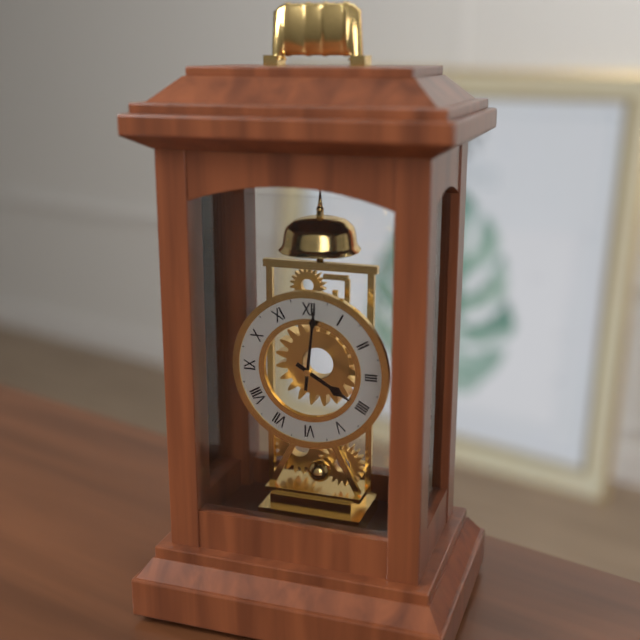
4h01
